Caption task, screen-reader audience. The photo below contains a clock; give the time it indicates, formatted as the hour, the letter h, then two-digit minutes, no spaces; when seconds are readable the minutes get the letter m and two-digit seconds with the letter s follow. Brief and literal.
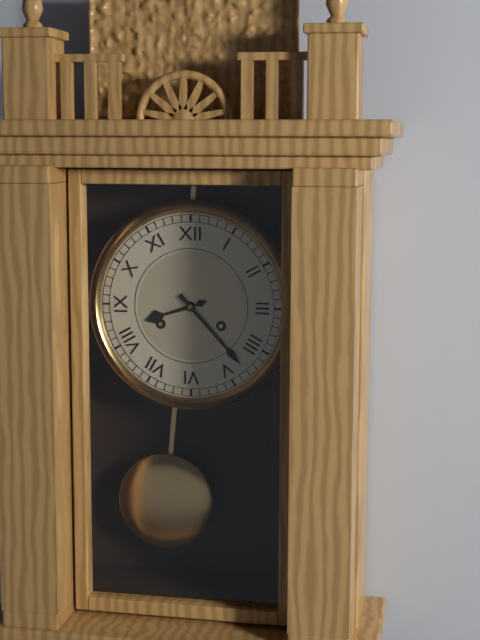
8h23
